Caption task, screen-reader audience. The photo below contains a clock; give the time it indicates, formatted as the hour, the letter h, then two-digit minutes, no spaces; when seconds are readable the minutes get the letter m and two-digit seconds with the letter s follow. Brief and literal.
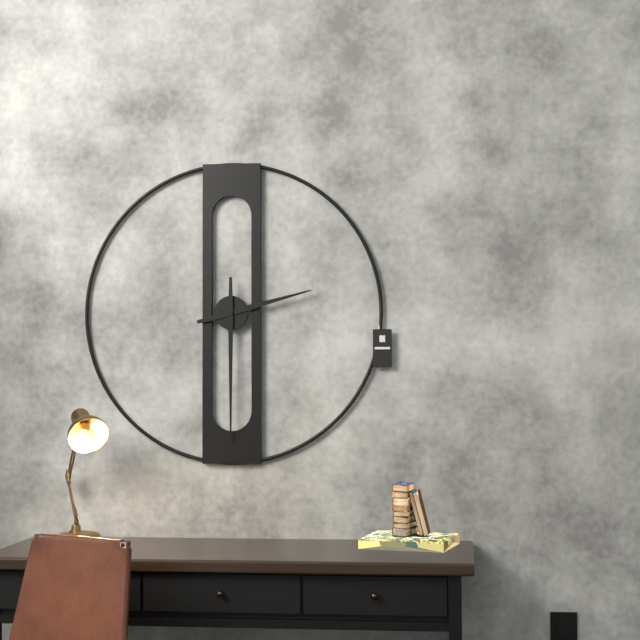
2h30
